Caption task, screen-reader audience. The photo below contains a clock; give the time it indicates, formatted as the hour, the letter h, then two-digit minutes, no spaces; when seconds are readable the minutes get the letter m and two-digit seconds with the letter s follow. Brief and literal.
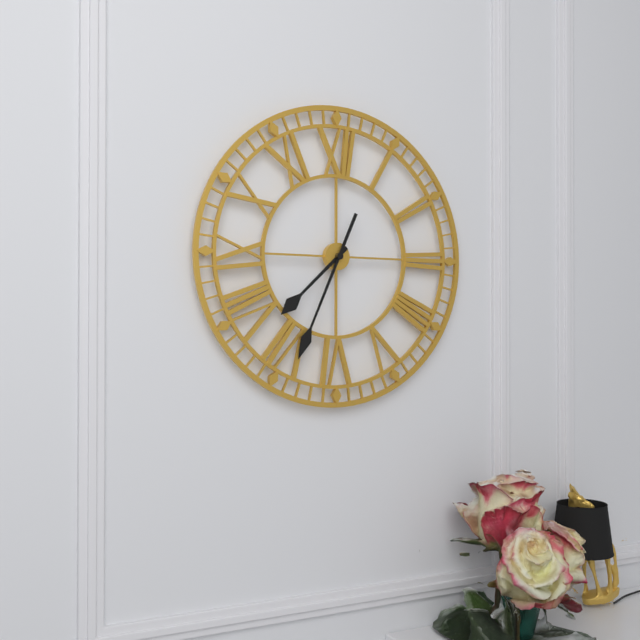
7h34
